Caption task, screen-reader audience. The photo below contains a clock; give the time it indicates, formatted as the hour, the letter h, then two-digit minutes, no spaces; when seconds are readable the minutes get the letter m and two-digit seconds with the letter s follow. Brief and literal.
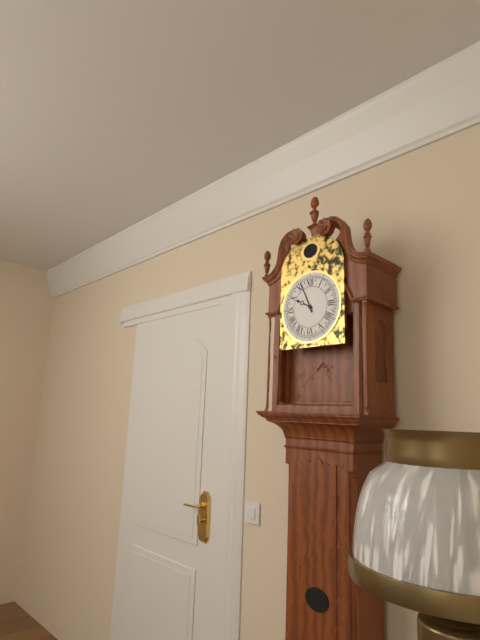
9h56
